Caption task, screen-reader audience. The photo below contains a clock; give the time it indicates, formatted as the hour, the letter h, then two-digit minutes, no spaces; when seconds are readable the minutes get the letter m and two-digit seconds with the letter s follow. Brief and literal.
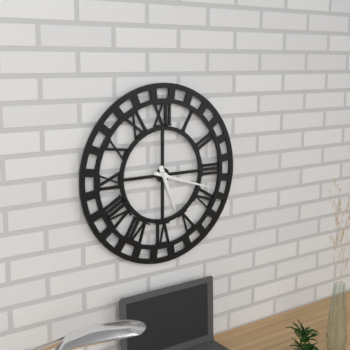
5h18
